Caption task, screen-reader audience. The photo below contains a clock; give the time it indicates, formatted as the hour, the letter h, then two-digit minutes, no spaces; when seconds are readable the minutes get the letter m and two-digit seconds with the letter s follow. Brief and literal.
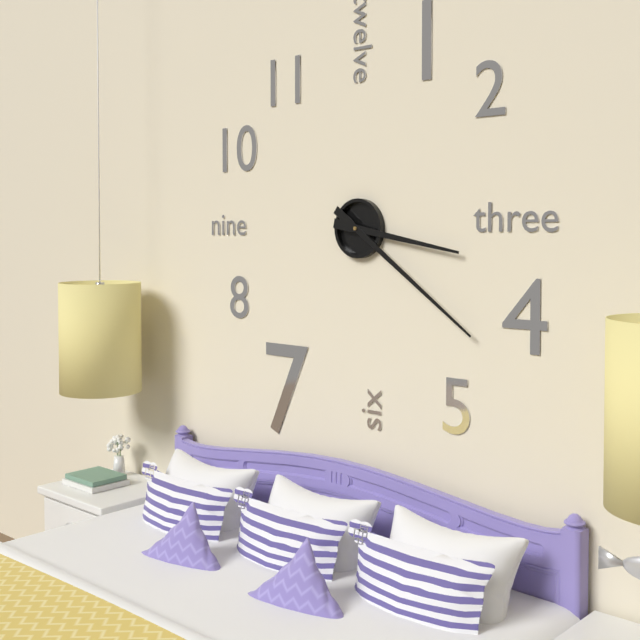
3h21
